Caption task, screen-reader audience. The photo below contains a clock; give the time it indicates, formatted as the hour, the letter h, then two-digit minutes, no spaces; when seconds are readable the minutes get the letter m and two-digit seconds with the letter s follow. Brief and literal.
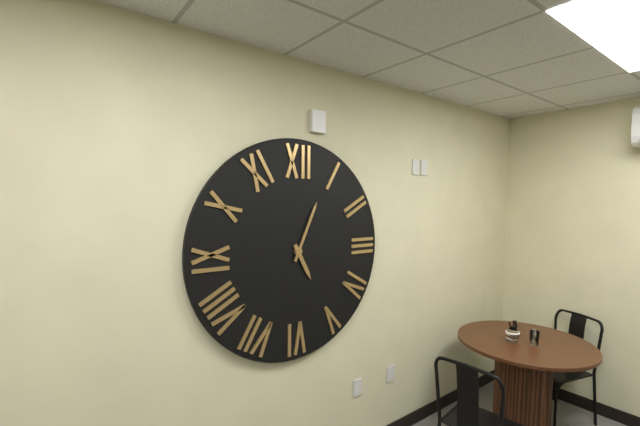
5h04
